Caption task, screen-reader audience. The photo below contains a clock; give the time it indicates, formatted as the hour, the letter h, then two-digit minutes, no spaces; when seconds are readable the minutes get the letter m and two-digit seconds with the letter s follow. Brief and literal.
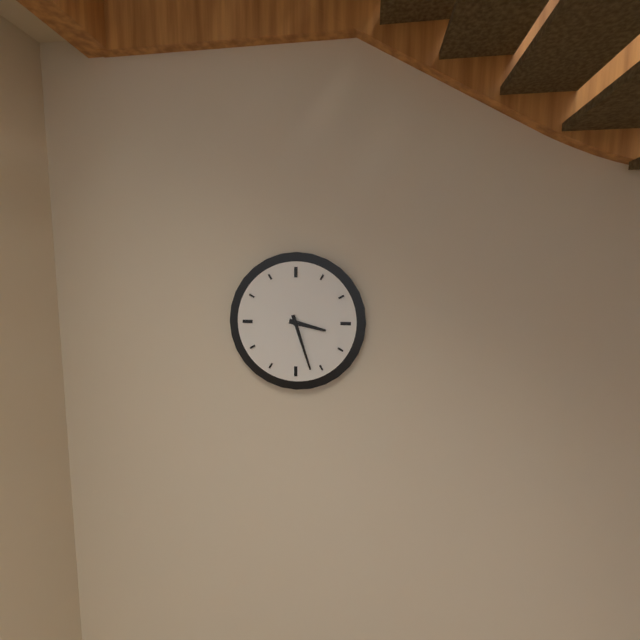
3h27
